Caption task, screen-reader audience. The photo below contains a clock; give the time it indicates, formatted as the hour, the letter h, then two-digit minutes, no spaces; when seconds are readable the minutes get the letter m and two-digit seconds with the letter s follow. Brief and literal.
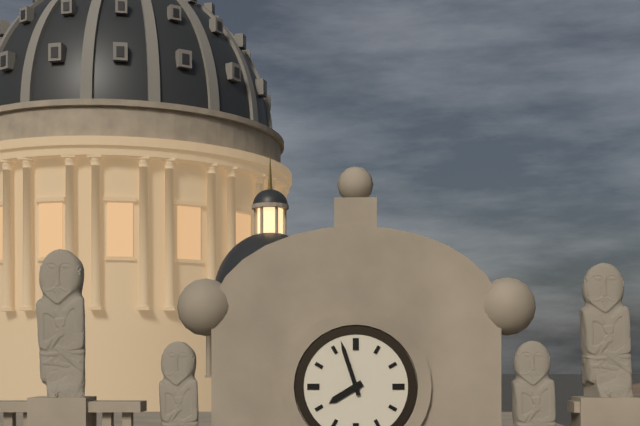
7h57
